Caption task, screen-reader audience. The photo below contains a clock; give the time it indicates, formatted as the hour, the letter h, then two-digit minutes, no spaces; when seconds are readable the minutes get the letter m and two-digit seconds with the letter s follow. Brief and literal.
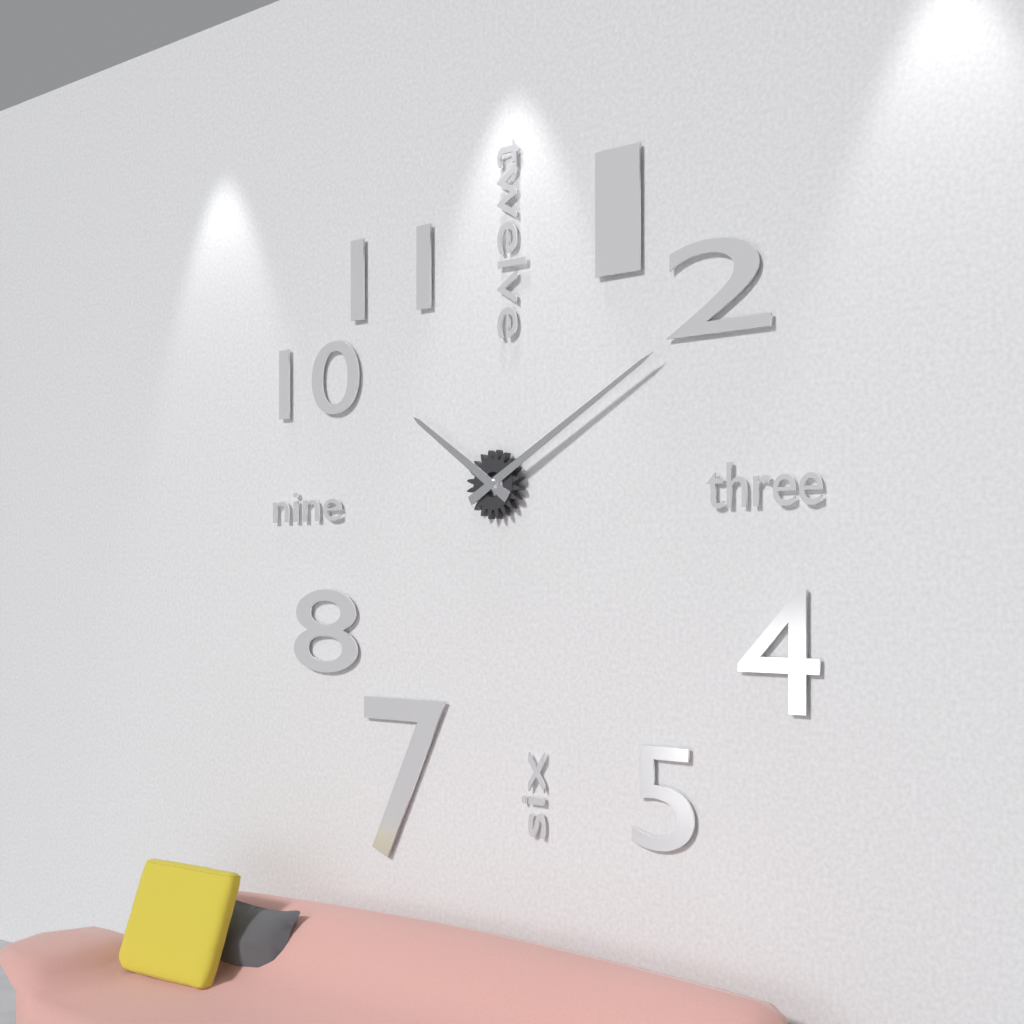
10h10
